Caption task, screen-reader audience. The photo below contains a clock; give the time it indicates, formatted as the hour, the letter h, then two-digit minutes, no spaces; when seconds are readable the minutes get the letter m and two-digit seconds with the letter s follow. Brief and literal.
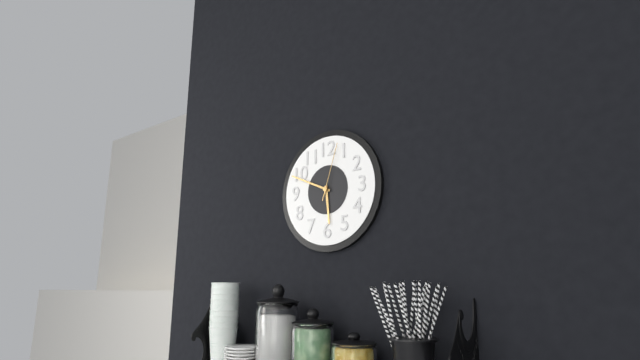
5h49m03s
